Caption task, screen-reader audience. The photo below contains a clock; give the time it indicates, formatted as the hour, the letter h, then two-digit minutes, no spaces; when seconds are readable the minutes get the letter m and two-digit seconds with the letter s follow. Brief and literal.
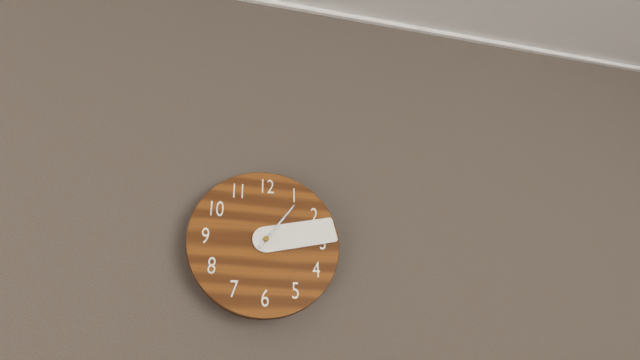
1h13
